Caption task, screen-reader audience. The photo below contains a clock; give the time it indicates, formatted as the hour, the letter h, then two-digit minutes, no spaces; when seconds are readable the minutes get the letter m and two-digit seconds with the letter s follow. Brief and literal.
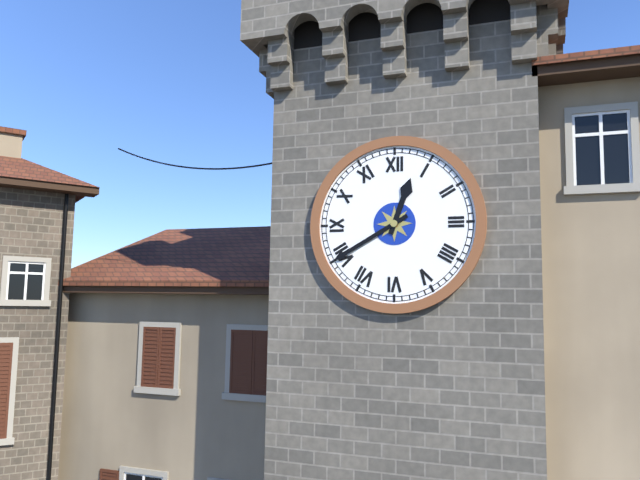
12h40
